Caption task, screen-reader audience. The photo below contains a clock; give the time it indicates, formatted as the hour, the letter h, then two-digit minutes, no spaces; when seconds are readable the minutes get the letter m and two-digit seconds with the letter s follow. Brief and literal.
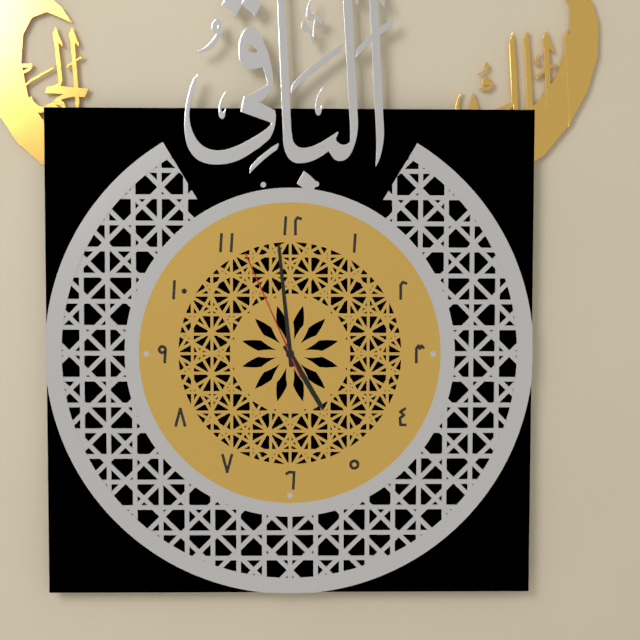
4h59m56s
